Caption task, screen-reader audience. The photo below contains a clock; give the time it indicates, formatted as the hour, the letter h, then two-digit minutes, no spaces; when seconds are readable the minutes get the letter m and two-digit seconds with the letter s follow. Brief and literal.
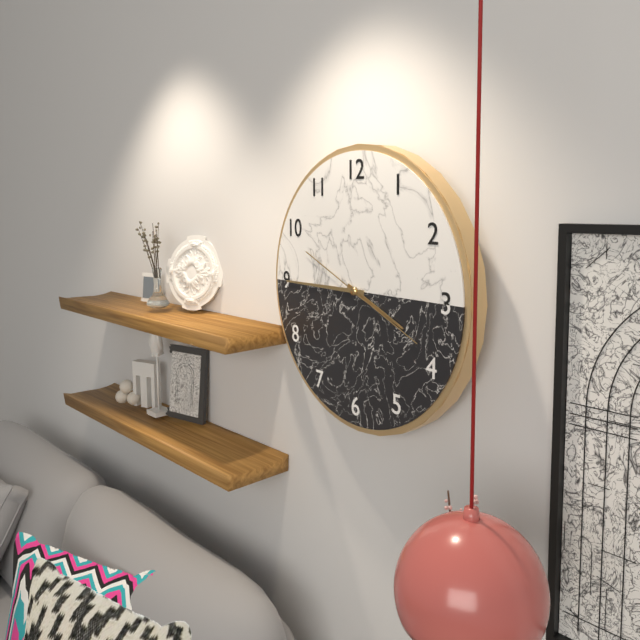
3h45m19s
